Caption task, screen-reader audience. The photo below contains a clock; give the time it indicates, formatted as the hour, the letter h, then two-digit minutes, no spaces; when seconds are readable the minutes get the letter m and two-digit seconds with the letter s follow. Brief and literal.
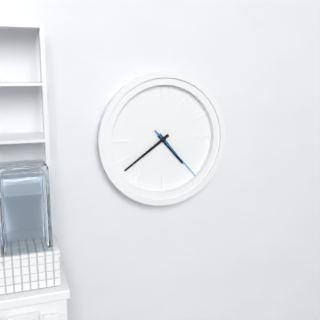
4h39m23s
